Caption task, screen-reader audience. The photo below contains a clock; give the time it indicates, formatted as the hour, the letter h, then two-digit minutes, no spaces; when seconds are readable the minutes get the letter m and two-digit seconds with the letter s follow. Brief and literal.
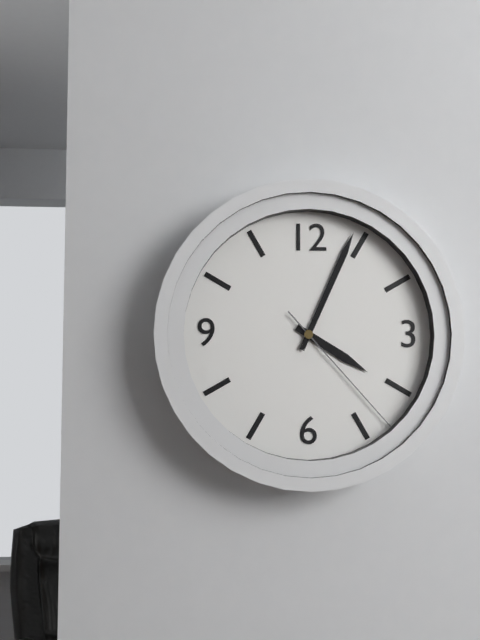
4h04m23s
